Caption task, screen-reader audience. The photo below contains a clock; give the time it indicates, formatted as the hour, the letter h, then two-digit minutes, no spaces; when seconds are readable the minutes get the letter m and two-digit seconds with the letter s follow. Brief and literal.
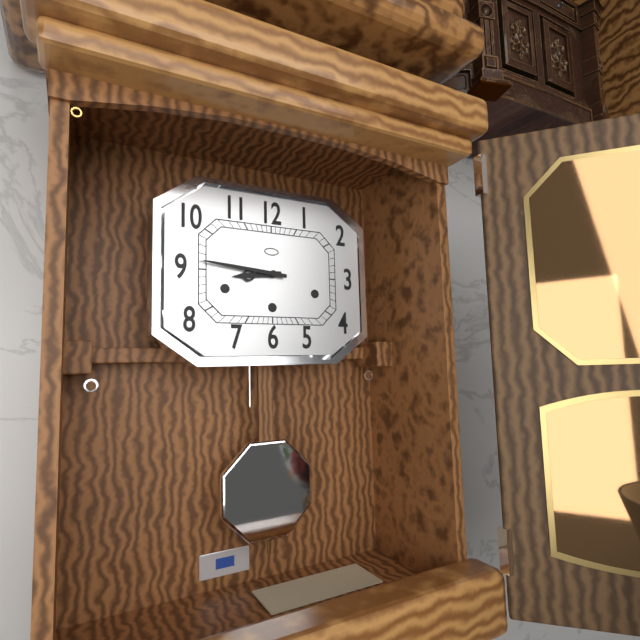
8h46
